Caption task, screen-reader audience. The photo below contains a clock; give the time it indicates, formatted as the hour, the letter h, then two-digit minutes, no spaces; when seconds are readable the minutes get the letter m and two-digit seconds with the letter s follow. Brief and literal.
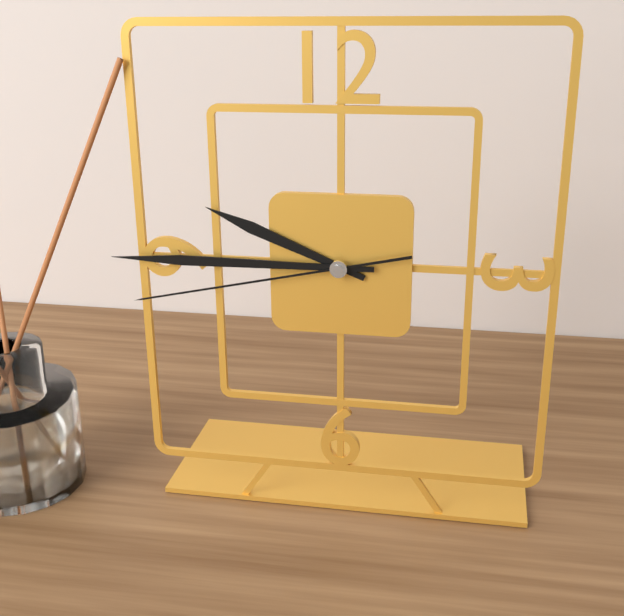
9h45m43s
